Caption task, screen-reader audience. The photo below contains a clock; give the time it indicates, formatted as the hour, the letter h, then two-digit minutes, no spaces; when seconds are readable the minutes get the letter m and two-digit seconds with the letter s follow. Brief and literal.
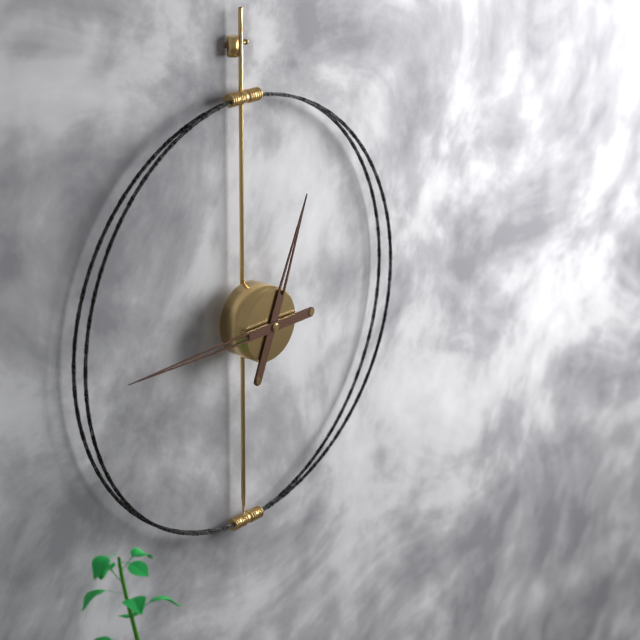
12h45
